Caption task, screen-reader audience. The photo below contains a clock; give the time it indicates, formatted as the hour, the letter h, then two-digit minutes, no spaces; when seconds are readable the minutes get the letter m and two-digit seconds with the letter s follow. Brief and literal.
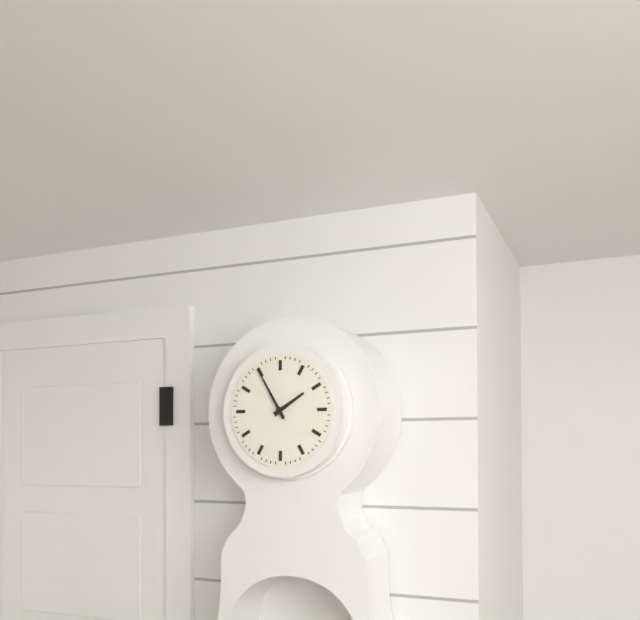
1h55
